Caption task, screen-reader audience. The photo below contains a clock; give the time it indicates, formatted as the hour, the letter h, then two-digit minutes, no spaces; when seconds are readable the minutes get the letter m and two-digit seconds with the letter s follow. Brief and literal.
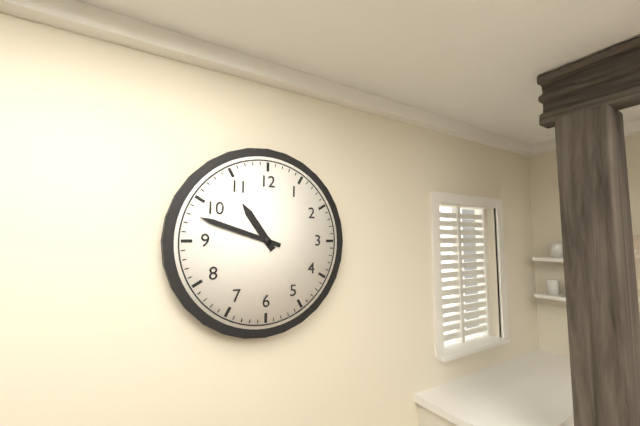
10h48
